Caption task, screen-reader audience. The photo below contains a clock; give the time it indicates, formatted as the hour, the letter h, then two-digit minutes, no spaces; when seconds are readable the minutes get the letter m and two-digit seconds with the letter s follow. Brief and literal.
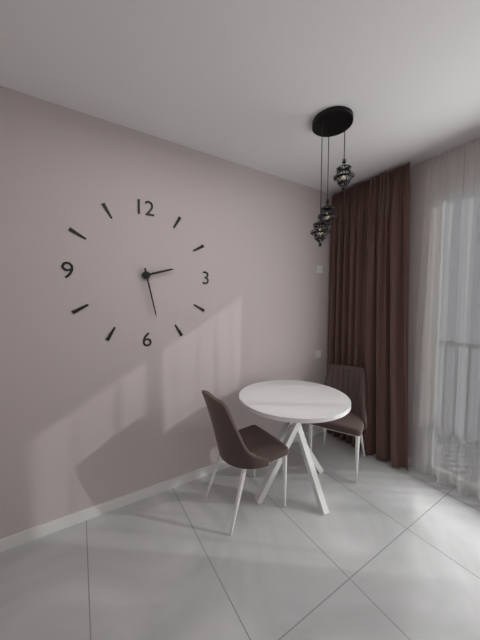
2h28
